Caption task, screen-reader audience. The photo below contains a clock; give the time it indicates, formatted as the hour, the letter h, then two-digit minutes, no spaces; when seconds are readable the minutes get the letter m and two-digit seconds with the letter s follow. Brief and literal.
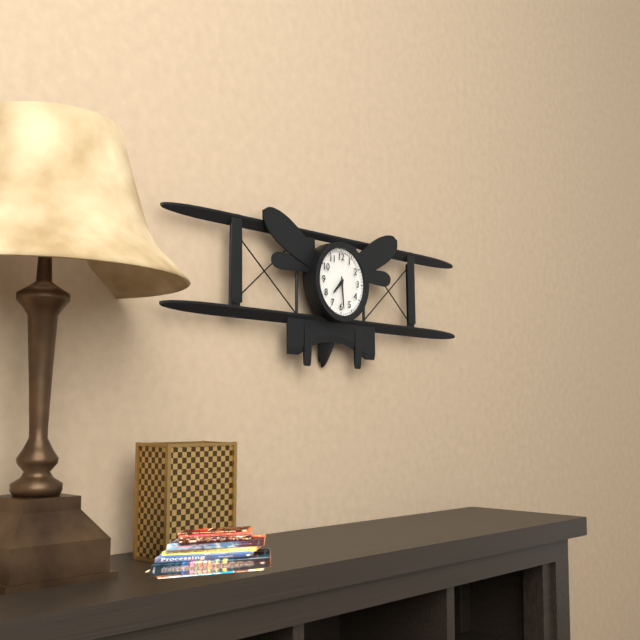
7h29
